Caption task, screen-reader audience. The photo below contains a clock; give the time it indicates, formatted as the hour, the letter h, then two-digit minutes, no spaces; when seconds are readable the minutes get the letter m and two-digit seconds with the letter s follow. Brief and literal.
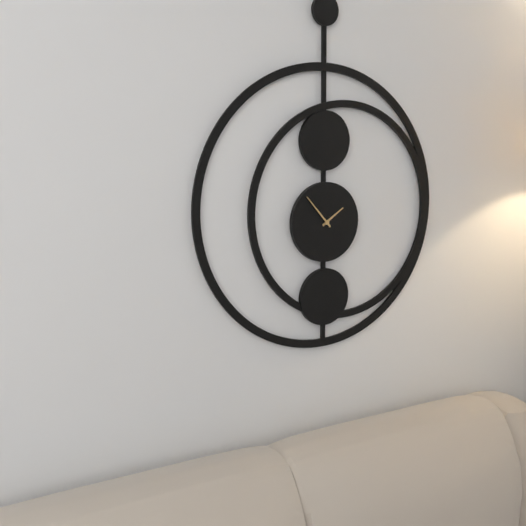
1h53
